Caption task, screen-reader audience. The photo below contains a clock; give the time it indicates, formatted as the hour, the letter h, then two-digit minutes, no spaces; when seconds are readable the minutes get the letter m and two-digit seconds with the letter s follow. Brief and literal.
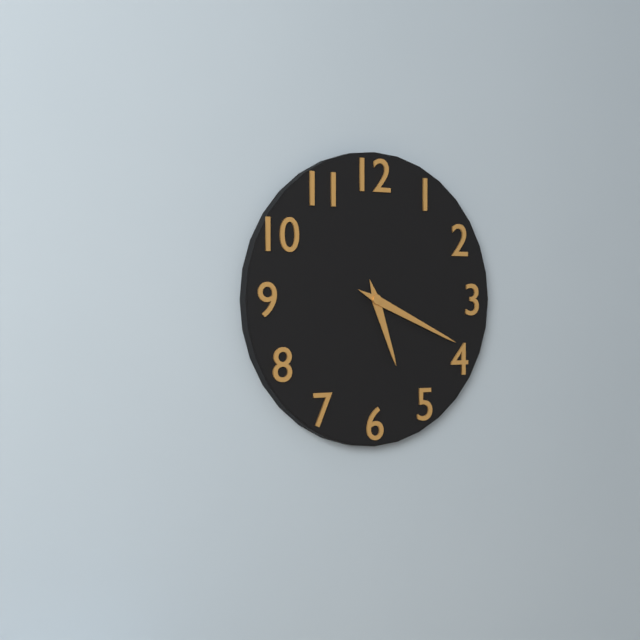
5h19
